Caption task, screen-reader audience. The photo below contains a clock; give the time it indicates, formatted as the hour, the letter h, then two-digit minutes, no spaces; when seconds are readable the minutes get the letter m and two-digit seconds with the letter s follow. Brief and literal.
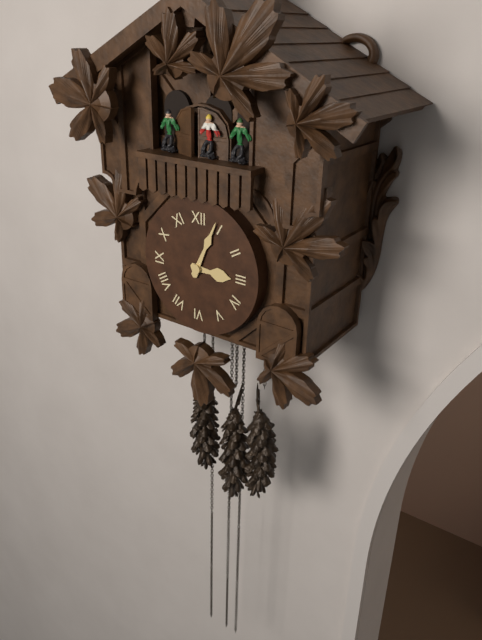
3h04
